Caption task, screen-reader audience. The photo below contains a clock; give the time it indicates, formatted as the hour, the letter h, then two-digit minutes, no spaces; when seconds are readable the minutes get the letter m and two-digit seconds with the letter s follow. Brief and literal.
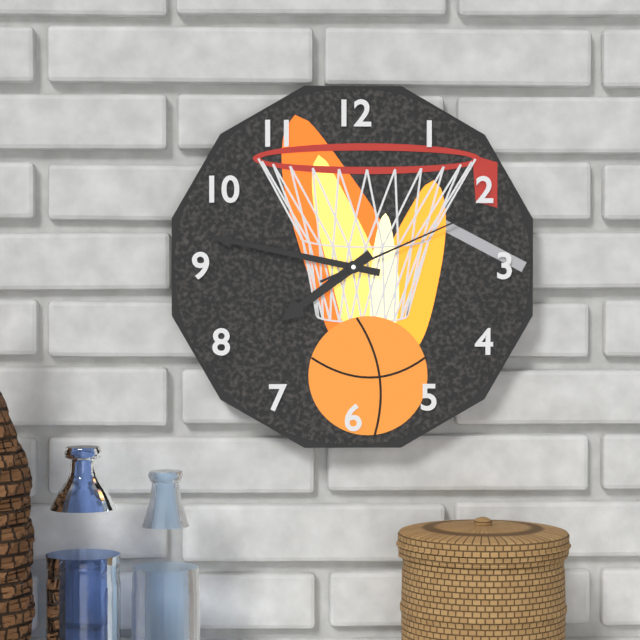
7h47m11s
